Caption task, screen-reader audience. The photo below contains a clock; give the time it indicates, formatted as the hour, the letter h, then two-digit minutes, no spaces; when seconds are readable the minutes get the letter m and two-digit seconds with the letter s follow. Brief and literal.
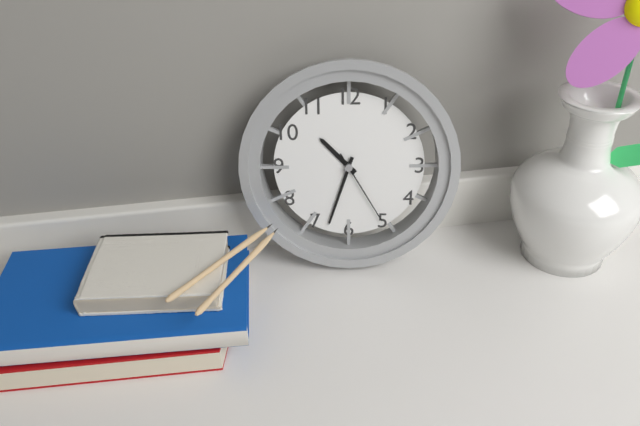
10h33m25s
